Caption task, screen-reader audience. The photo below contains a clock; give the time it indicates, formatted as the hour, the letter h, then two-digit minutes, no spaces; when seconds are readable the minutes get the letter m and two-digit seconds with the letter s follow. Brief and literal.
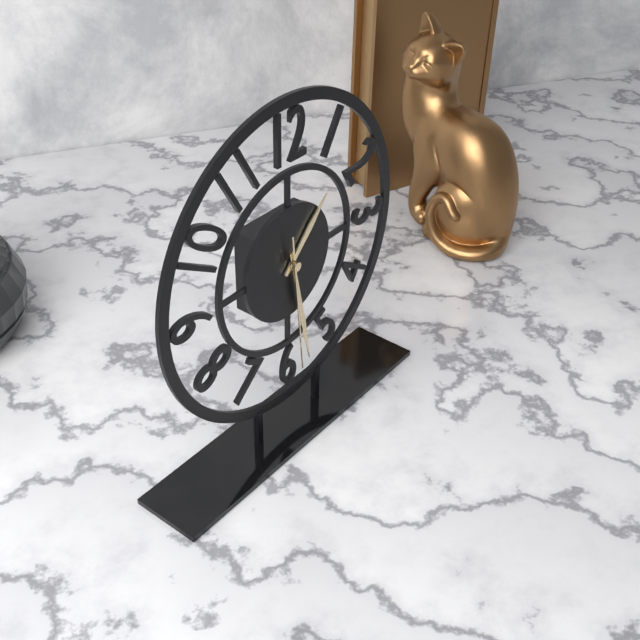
1h28m29s
